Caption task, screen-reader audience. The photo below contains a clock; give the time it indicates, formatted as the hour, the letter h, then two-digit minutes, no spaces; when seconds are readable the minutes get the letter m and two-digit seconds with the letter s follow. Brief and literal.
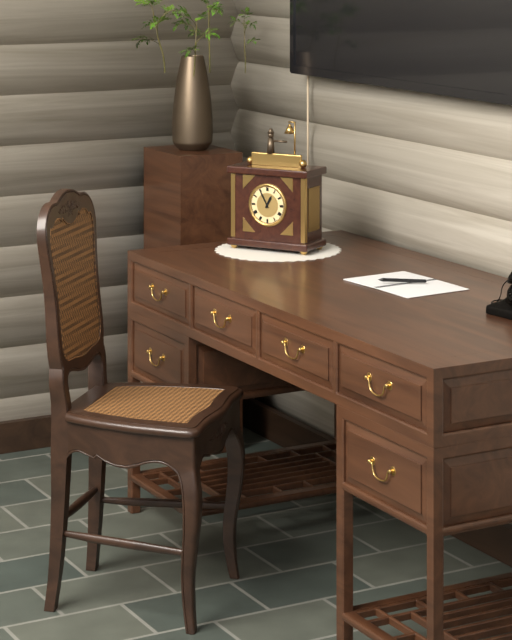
12h55
